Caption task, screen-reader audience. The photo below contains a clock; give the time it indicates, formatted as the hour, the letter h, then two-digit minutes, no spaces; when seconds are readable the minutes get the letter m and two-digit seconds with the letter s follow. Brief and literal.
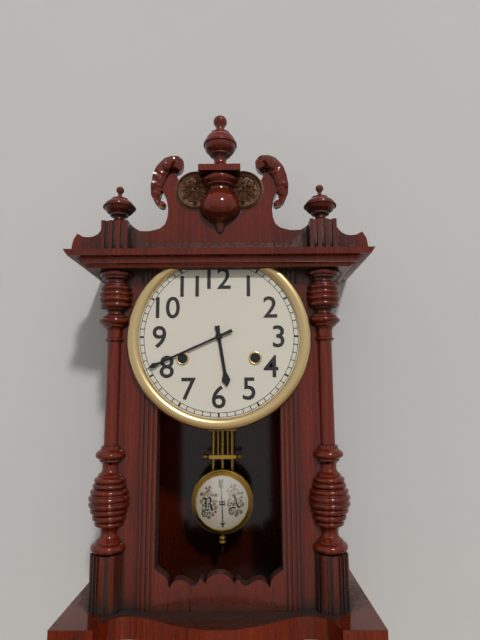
5h41
